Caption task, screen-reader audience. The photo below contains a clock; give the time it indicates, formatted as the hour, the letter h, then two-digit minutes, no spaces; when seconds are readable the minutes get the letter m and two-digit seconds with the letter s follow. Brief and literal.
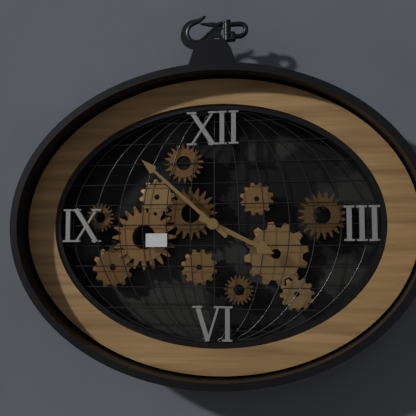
3h52
